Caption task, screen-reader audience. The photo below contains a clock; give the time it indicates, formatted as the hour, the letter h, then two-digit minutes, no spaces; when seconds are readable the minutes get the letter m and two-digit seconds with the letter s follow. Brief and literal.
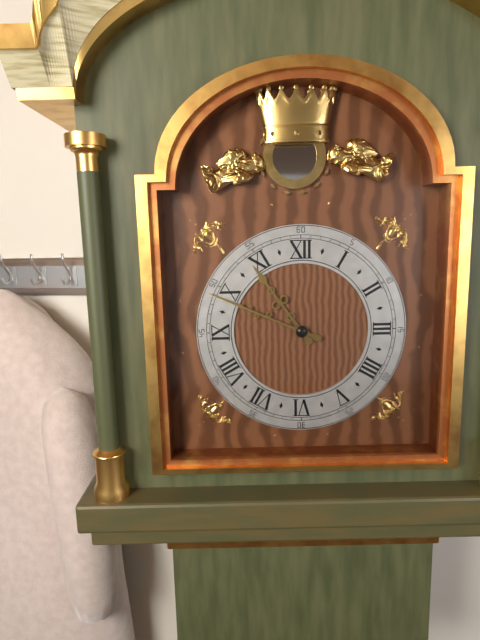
10h49
